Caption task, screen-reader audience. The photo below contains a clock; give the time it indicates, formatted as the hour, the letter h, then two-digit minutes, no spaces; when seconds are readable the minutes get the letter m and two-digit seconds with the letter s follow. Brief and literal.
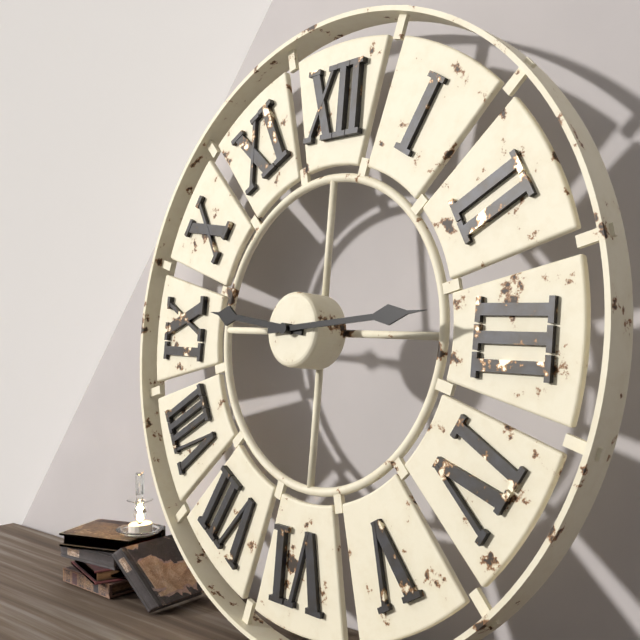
9h14
